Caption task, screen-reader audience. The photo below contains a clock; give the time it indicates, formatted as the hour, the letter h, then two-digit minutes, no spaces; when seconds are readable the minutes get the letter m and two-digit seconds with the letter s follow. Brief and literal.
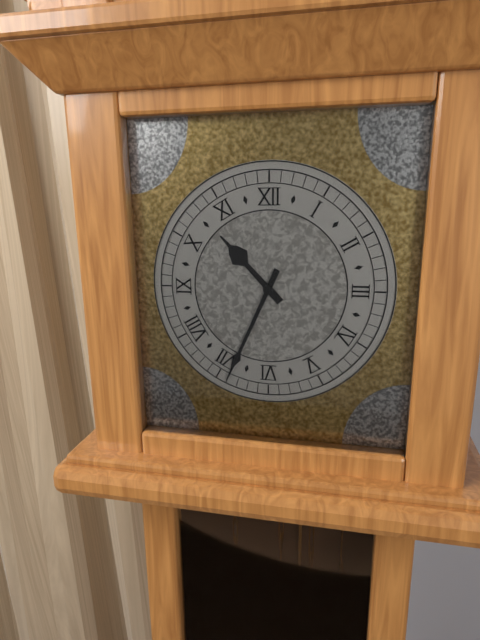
10h34
